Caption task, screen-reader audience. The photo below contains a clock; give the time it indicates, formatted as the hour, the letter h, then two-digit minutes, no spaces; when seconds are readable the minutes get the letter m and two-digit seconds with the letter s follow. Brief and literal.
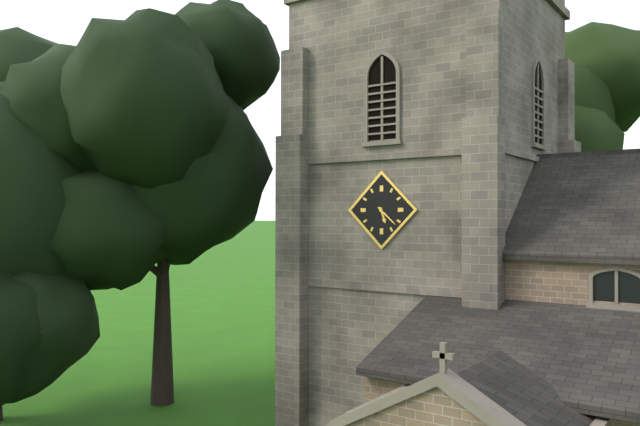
5h22
